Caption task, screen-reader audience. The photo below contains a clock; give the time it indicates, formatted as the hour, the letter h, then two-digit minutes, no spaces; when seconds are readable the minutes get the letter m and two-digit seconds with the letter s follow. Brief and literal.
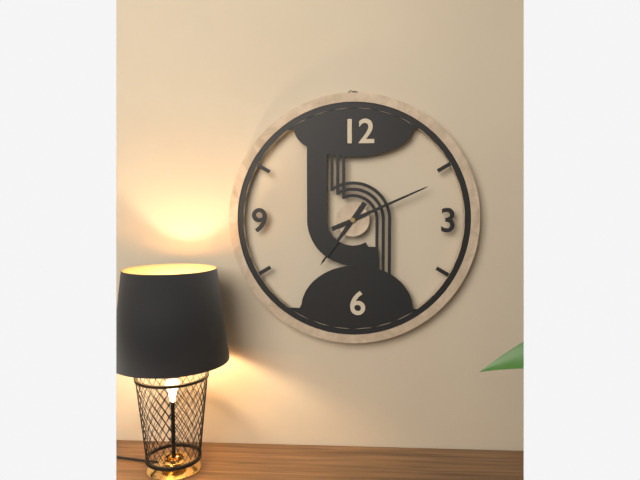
7h11
